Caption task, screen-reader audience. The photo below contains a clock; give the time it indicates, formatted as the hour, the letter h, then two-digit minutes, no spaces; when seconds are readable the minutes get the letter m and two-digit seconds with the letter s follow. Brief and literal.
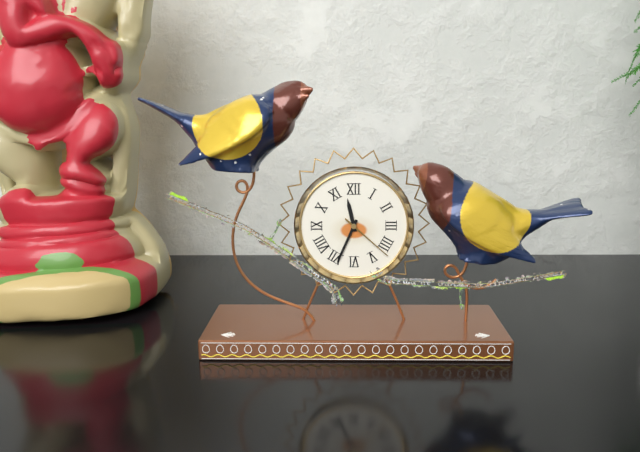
11h34m22s
